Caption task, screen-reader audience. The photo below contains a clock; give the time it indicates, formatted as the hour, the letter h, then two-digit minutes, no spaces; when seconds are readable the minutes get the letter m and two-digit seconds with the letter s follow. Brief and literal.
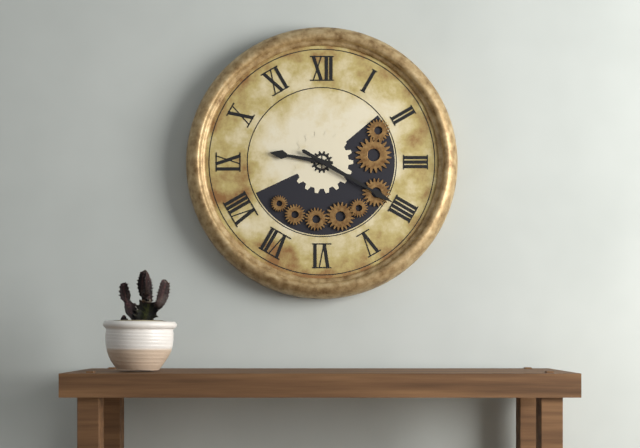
9h20
